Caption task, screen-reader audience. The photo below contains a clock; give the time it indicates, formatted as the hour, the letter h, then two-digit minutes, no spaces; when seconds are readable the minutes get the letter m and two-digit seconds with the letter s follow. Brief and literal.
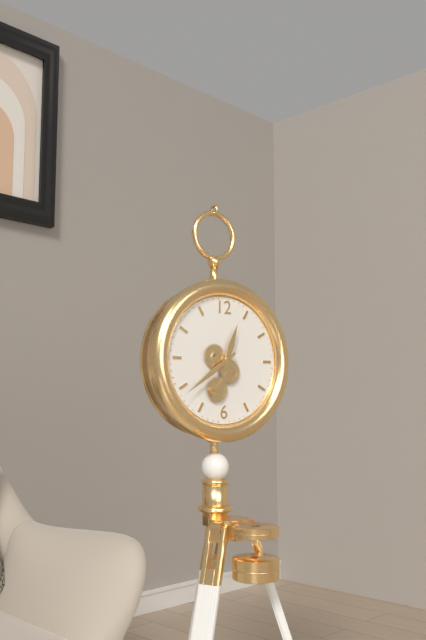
12h39
